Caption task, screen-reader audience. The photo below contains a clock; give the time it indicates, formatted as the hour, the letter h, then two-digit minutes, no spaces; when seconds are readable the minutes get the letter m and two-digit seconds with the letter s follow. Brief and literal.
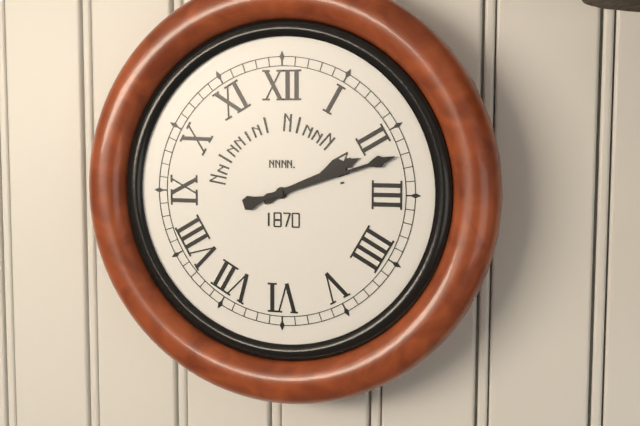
2h12
